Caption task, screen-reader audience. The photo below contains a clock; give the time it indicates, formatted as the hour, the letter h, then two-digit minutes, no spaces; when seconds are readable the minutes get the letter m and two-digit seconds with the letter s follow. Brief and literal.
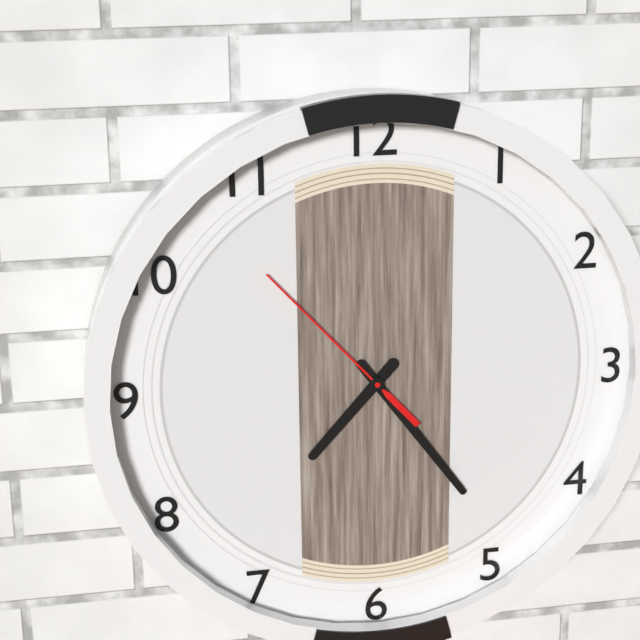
7h24m53s
